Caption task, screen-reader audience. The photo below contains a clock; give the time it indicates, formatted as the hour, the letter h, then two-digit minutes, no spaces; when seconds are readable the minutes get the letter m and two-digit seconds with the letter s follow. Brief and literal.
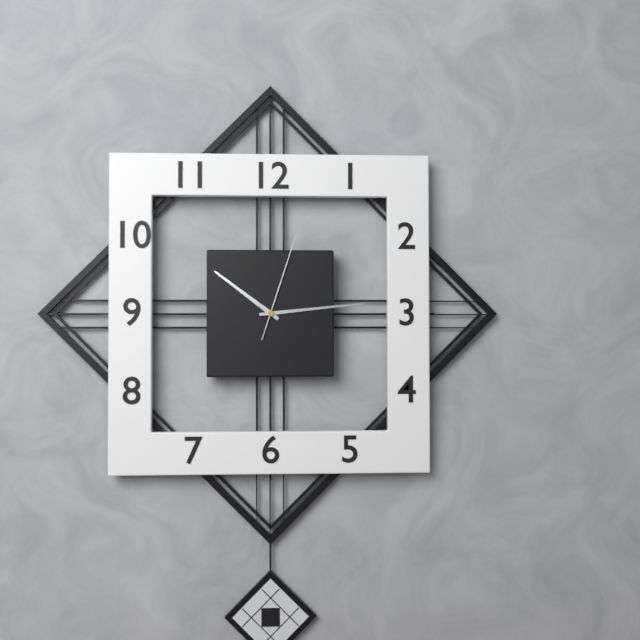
10h14m03s
